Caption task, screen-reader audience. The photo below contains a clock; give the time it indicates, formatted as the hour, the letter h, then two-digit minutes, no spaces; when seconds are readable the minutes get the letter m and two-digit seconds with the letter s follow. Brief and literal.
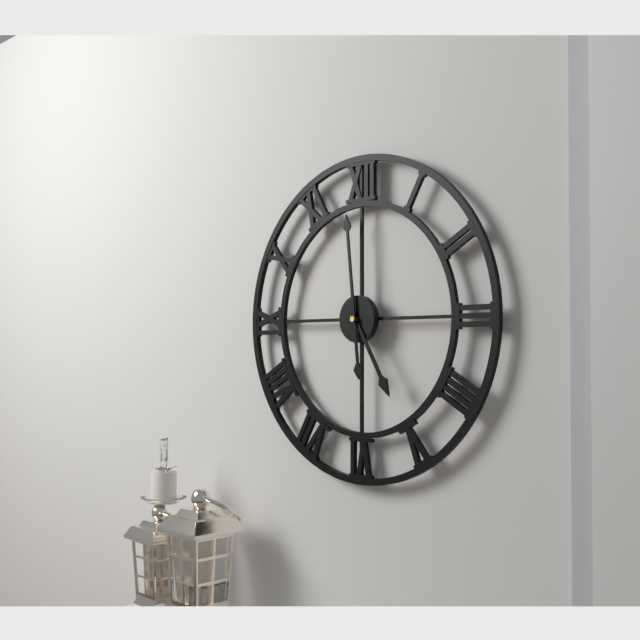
4h59
